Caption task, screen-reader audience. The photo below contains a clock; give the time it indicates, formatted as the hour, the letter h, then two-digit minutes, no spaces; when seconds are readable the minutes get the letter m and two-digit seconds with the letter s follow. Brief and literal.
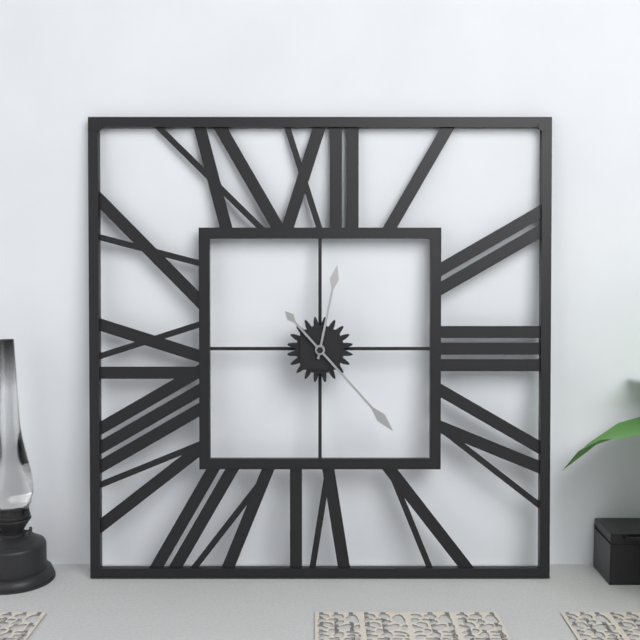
12h23
